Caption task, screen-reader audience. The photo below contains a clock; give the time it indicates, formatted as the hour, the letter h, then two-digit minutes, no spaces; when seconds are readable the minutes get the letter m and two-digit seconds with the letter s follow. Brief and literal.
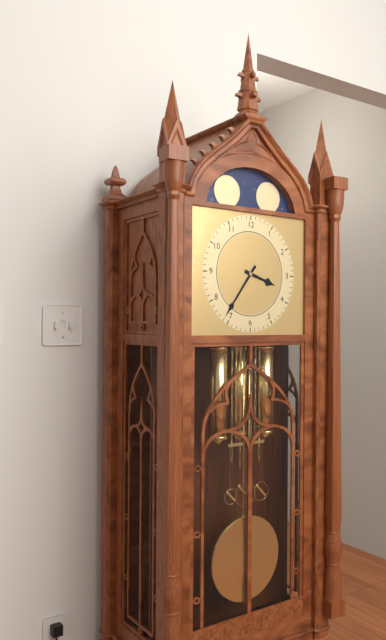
3h36
